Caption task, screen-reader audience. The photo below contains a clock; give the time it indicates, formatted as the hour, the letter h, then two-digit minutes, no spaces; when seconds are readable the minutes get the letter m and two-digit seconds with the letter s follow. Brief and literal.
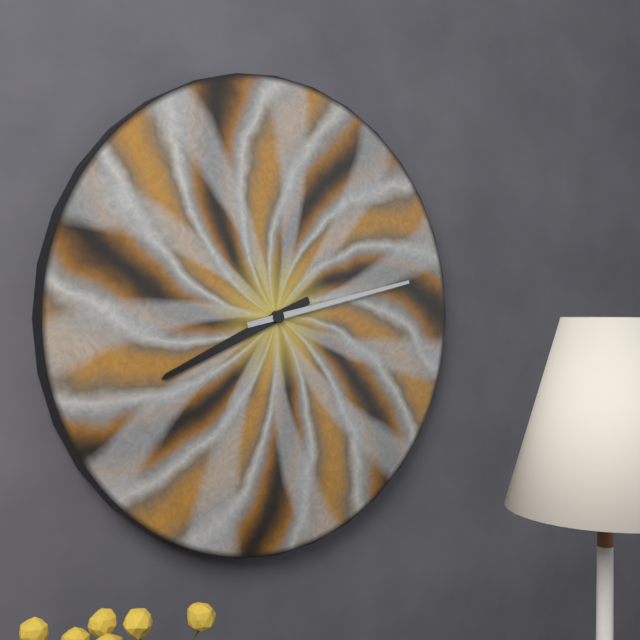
8h13
